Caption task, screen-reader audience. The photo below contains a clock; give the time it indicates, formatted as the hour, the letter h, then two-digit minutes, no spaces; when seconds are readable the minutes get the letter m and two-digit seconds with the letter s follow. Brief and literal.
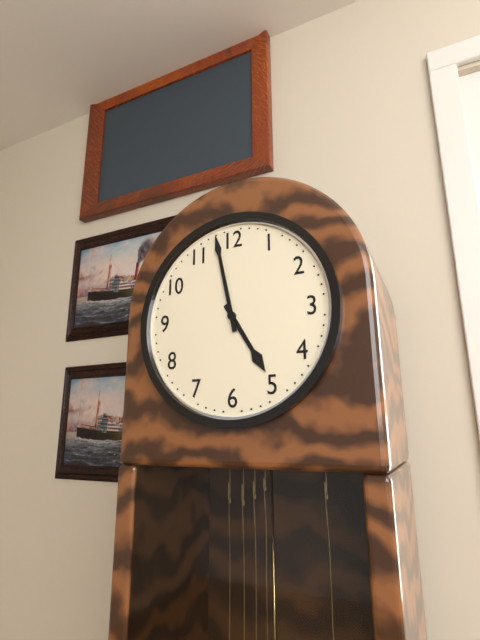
4h58
